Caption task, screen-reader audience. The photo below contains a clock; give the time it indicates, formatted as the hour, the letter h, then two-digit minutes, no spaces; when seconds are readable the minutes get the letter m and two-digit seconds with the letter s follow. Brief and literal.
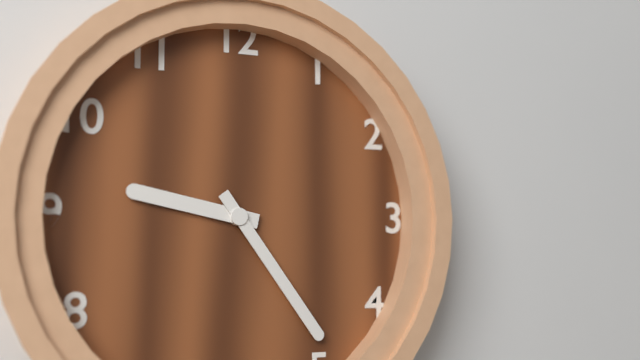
9h24
